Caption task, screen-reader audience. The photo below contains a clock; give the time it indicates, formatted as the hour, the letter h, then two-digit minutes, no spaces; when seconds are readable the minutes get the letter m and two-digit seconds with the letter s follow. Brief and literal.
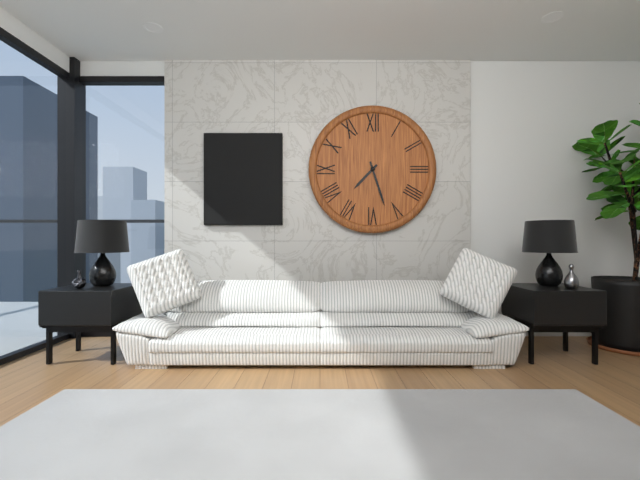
7h27
